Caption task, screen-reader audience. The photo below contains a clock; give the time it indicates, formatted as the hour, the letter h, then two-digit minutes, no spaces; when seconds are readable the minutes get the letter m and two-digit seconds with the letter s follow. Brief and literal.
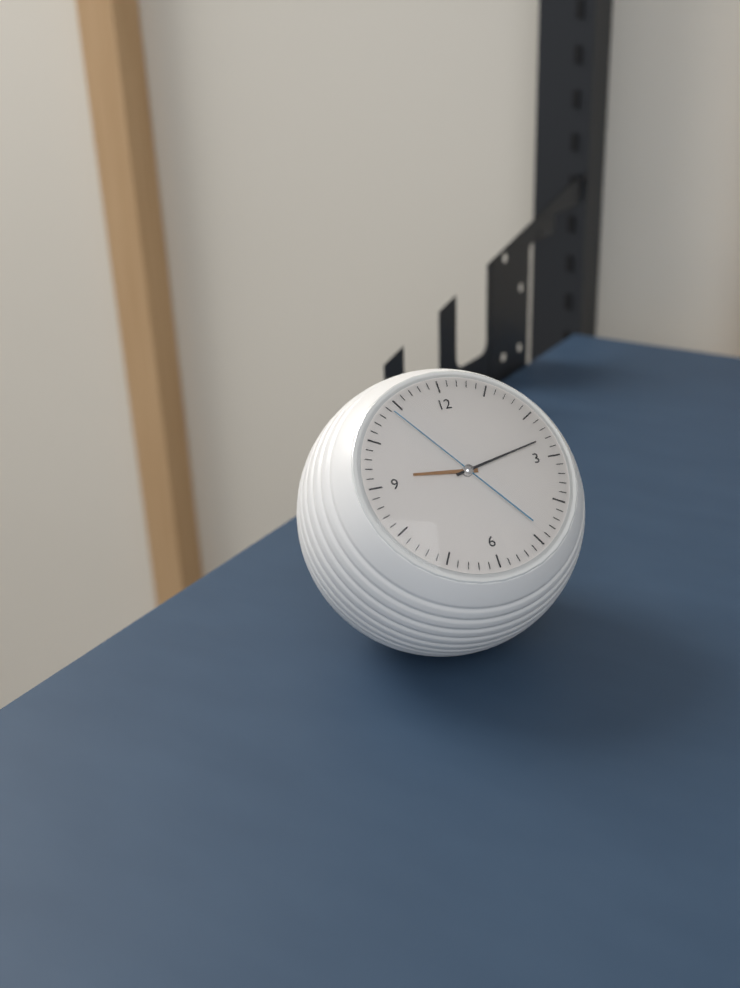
9h13m54s
